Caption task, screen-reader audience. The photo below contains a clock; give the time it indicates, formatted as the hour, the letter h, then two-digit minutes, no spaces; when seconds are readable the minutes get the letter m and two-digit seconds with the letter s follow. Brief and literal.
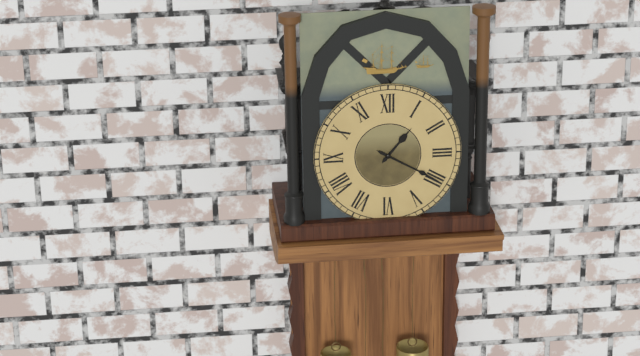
1h20
